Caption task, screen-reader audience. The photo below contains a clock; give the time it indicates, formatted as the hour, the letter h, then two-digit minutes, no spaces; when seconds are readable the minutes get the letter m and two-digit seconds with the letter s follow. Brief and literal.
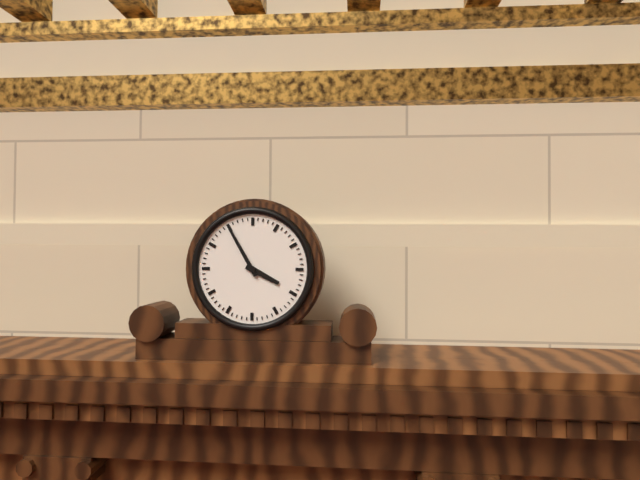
3h55
